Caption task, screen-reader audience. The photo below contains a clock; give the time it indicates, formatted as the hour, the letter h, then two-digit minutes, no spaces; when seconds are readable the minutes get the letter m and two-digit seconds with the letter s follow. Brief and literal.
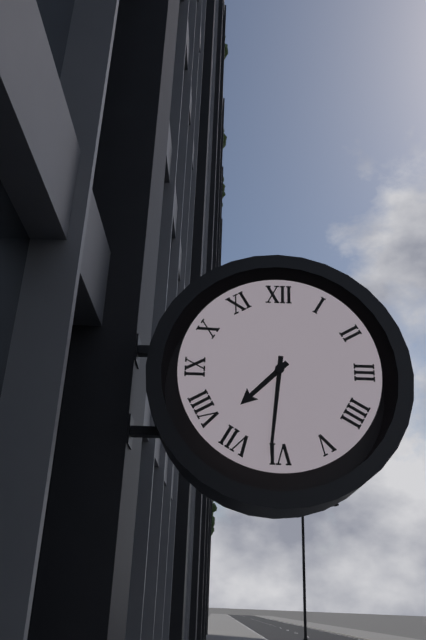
7h31
